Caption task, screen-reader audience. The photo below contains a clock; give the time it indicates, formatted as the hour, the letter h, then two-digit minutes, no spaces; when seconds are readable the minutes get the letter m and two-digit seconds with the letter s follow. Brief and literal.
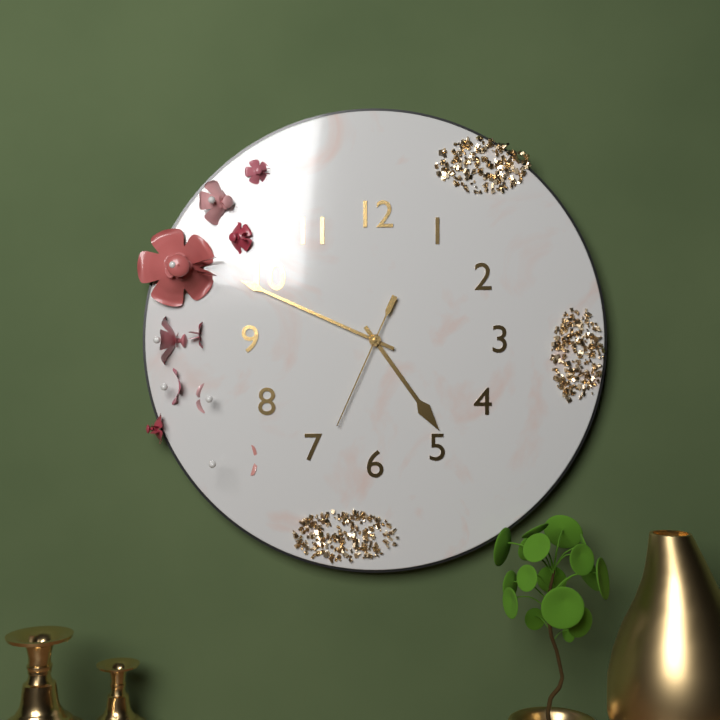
4h49m34s
